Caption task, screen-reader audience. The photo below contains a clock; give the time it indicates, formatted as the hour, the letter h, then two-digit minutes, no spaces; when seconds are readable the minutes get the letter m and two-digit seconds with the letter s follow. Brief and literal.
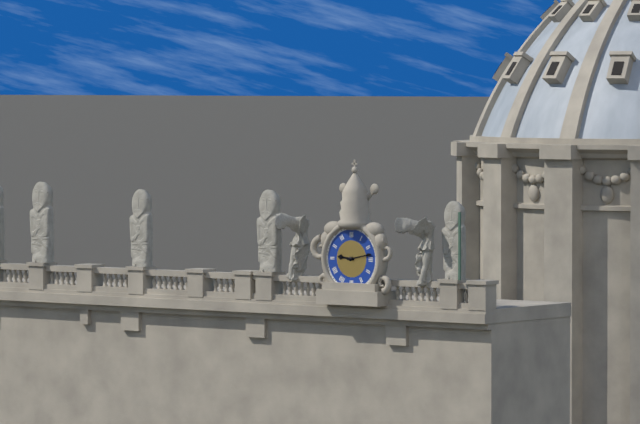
9h13
